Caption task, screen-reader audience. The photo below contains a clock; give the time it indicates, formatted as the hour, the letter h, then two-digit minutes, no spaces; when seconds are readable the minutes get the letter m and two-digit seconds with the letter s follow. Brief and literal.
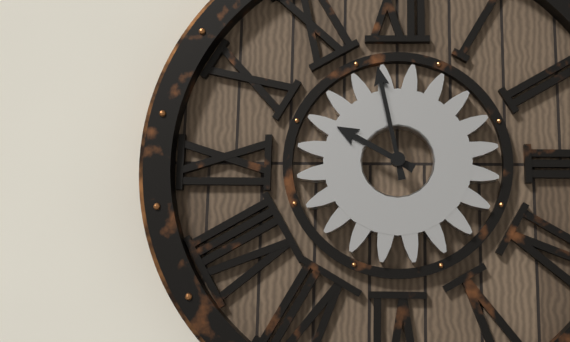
9h58
